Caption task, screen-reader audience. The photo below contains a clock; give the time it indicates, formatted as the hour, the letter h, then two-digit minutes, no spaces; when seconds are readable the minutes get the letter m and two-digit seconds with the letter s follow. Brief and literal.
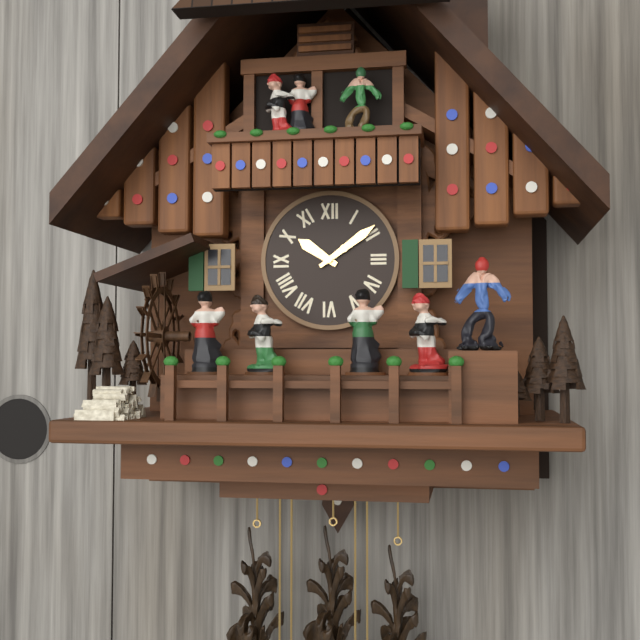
10h09
